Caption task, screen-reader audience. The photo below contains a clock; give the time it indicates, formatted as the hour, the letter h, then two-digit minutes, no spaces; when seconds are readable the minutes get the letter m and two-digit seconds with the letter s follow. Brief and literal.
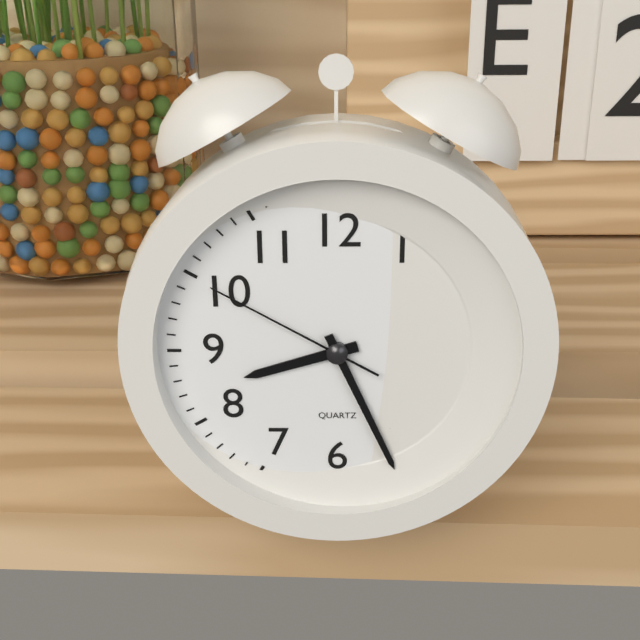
8h26m50s
